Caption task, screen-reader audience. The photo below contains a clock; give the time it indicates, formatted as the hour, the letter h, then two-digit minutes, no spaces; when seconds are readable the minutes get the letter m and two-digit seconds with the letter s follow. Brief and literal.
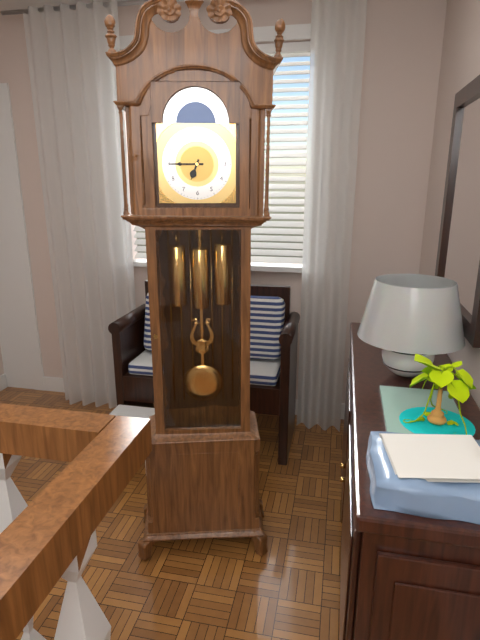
6h45
